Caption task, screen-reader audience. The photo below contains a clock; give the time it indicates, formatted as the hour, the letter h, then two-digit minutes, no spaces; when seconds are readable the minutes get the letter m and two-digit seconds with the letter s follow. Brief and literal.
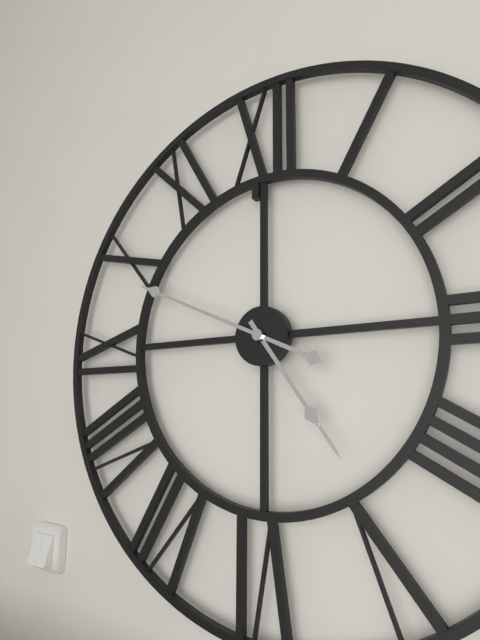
4h49
